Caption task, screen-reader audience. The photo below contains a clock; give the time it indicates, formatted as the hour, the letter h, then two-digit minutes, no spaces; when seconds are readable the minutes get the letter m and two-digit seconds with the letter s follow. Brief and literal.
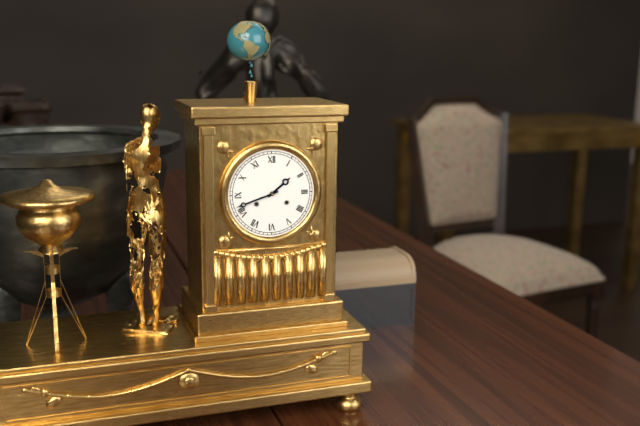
1h42
